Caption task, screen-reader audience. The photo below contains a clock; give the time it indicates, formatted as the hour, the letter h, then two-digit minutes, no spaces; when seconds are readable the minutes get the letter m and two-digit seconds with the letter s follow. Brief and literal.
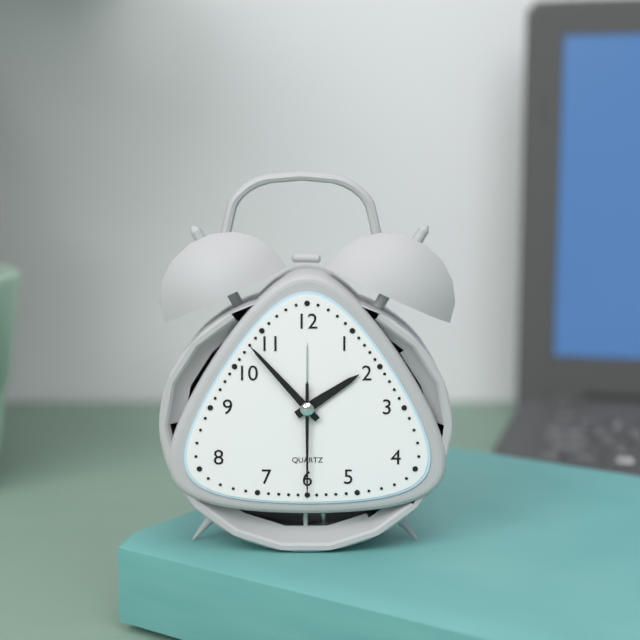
1h53m30s
